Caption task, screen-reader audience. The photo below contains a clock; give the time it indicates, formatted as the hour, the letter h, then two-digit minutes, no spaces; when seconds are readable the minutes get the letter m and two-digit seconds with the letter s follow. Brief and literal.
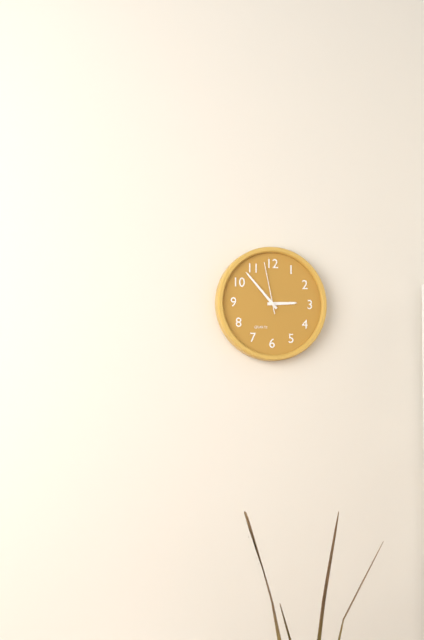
2h53m58s
